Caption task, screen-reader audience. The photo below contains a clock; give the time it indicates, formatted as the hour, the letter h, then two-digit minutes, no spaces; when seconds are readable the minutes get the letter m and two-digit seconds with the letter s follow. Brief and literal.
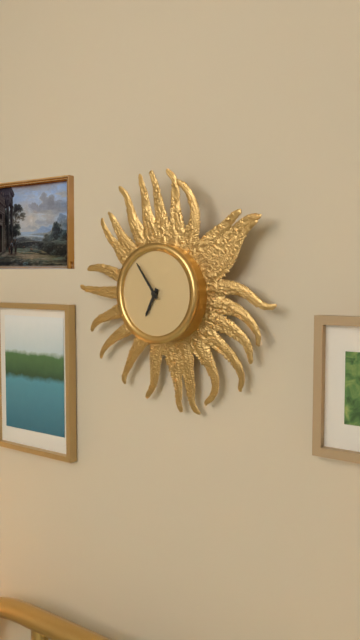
6h54
